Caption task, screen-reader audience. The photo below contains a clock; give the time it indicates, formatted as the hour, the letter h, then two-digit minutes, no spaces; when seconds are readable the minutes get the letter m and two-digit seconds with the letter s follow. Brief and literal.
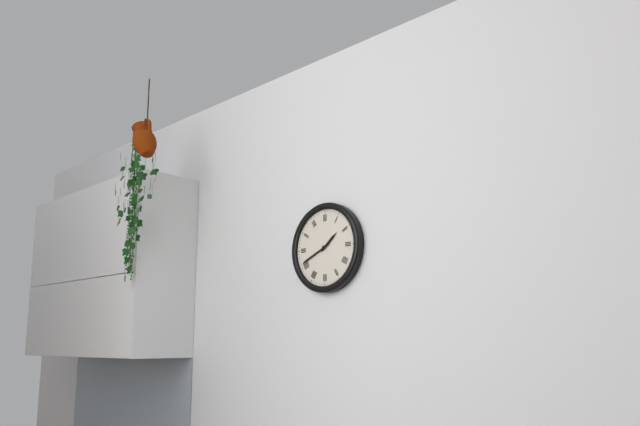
1h41
